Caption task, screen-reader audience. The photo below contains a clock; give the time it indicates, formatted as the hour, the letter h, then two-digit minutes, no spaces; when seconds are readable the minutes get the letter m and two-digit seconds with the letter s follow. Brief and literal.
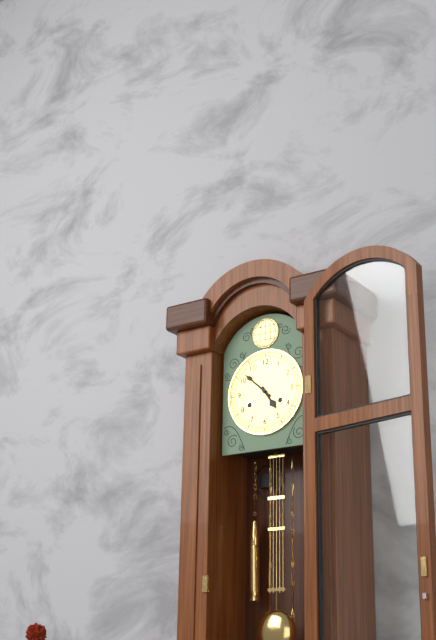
4h52
